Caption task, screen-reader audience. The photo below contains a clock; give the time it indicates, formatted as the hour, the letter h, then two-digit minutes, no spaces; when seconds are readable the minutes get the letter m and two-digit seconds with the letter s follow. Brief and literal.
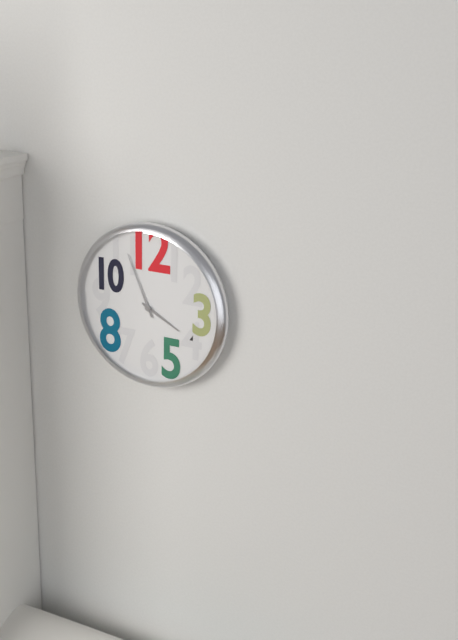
3h56
